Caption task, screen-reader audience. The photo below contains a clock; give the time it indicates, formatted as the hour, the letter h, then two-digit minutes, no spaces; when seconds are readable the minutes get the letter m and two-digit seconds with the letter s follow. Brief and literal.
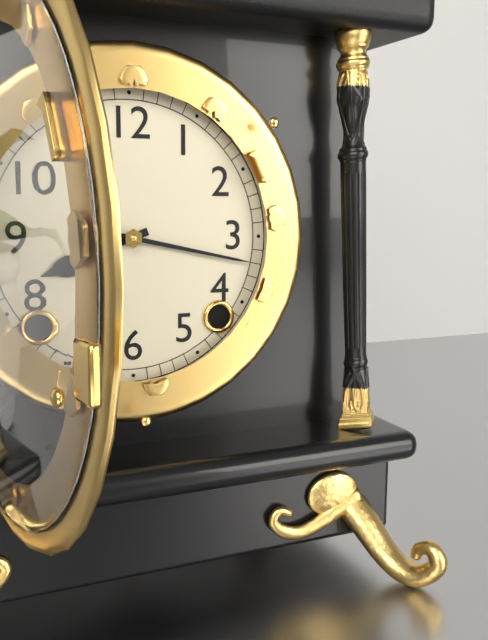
8h17
